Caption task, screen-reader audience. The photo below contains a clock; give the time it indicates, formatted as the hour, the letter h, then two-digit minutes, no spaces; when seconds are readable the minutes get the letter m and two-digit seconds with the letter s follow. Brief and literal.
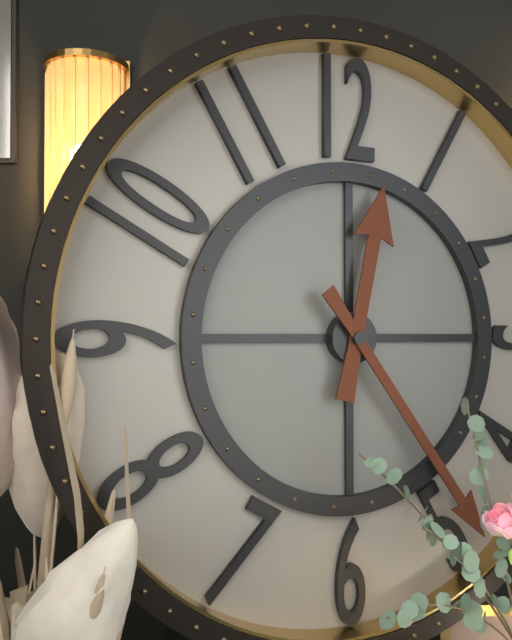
12h24
